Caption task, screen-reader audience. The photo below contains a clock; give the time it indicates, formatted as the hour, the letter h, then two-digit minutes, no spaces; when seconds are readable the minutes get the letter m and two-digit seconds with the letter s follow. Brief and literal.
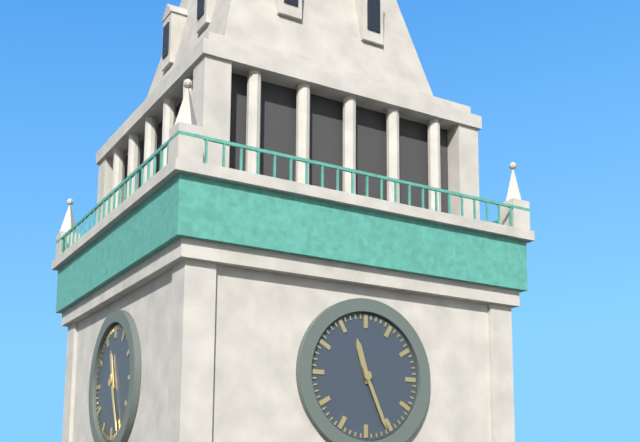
11h26
